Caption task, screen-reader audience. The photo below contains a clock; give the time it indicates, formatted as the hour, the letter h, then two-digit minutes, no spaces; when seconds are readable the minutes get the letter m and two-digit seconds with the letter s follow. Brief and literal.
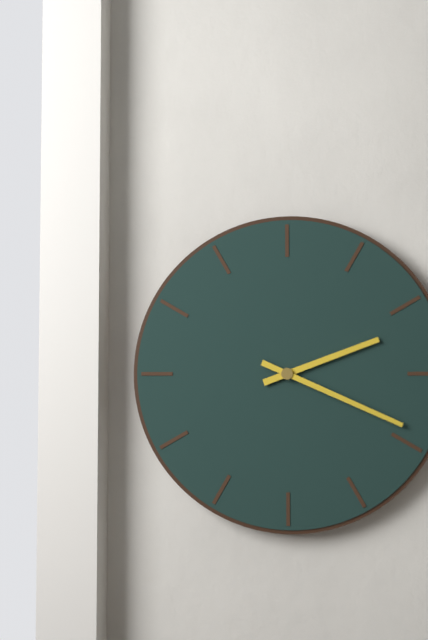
2h19
